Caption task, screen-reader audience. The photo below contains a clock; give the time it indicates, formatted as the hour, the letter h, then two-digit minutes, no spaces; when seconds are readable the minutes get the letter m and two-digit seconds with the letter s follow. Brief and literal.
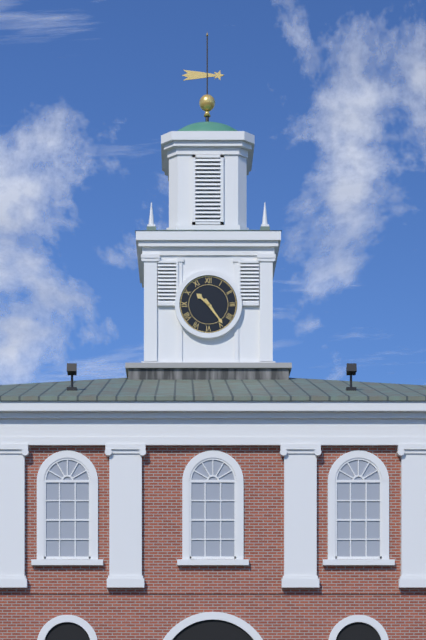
10h24
